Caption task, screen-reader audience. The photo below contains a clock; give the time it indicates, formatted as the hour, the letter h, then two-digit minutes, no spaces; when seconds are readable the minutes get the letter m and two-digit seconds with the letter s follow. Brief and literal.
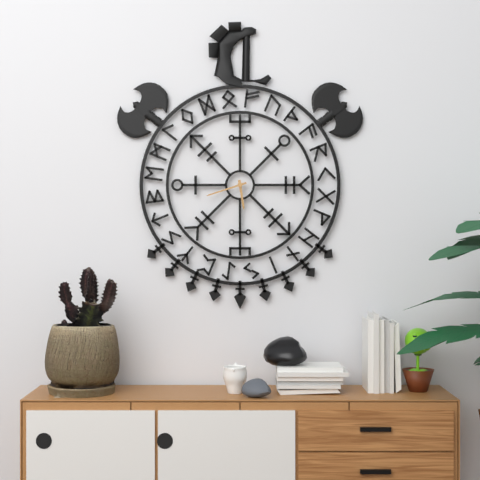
5h42
